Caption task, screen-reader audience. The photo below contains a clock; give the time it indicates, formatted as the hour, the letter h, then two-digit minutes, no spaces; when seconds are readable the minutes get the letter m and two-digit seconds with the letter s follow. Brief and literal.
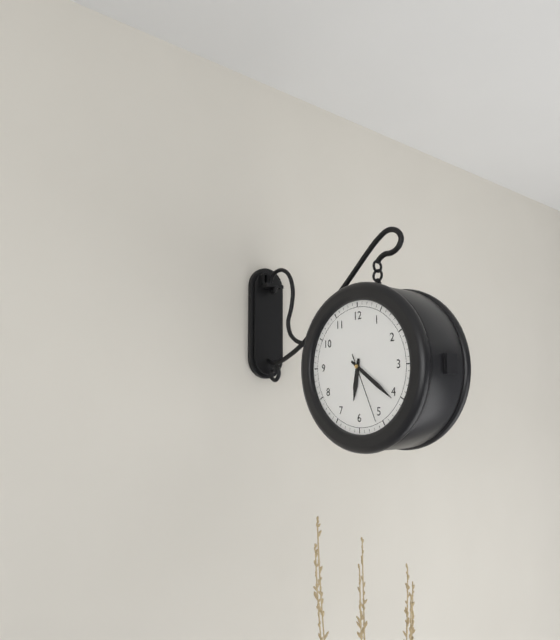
6h21m26s
